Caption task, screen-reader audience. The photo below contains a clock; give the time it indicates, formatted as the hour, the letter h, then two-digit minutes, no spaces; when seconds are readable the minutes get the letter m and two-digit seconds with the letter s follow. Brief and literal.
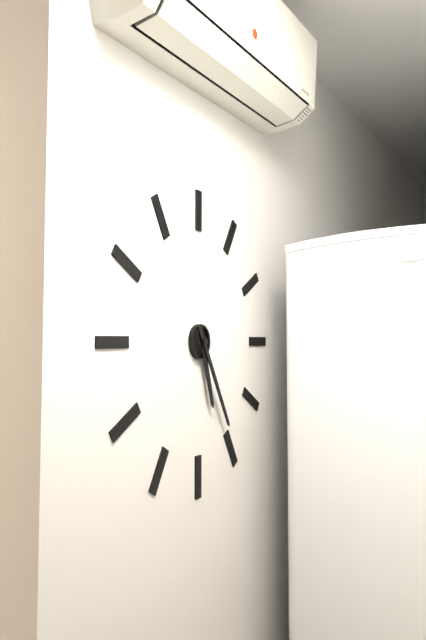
5h25
